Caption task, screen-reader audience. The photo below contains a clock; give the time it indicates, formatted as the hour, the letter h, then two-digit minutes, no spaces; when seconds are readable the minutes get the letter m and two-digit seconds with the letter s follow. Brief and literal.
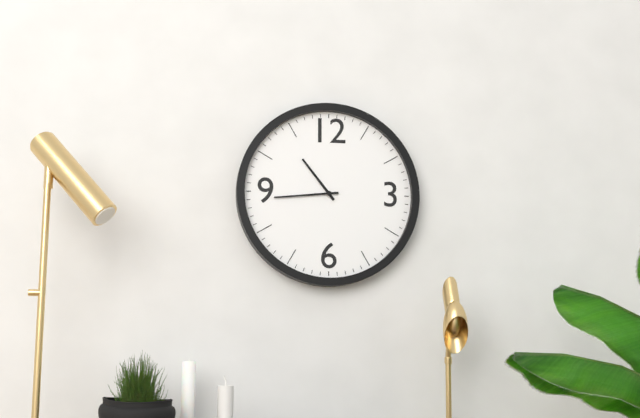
10h44
